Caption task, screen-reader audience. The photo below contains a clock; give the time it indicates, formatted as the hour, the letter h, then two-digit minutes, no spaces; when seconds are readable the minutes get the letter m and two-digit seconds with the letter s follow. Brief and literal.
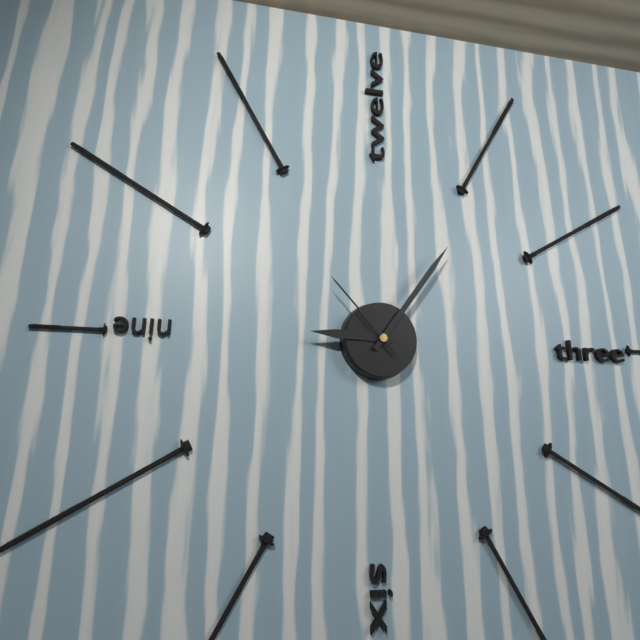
9h06m53s
